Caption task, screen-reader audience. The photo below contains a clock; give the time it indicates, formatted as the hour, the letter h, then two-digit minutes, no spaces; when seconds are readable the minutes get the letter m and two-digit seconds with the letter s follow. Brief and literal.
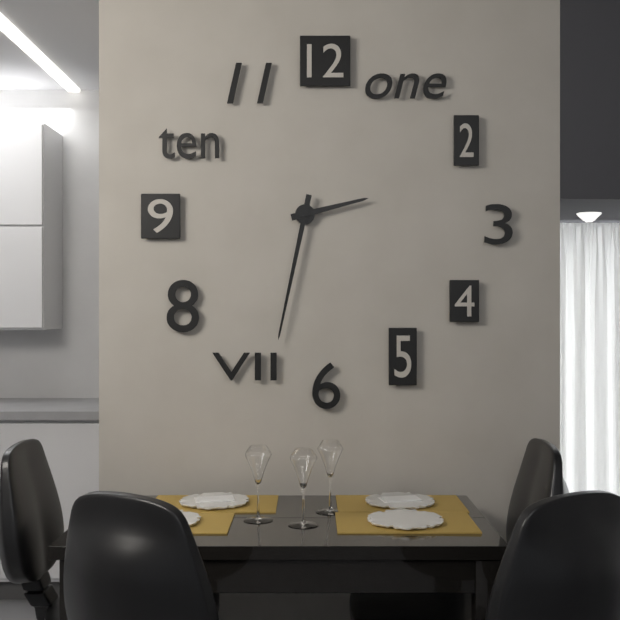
2h32
